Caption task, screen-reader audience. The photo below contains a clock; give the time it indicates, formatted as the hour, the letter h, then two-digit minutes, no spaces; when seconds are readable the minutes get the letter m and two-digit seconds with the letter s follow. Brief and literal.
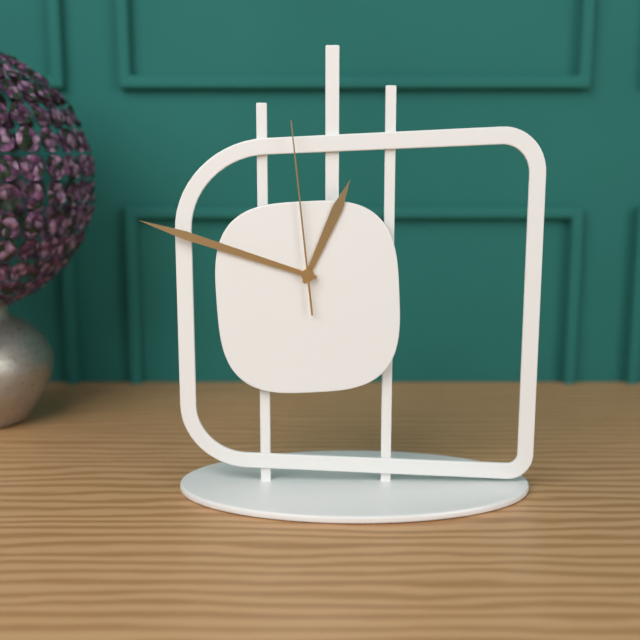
12h48m59s
